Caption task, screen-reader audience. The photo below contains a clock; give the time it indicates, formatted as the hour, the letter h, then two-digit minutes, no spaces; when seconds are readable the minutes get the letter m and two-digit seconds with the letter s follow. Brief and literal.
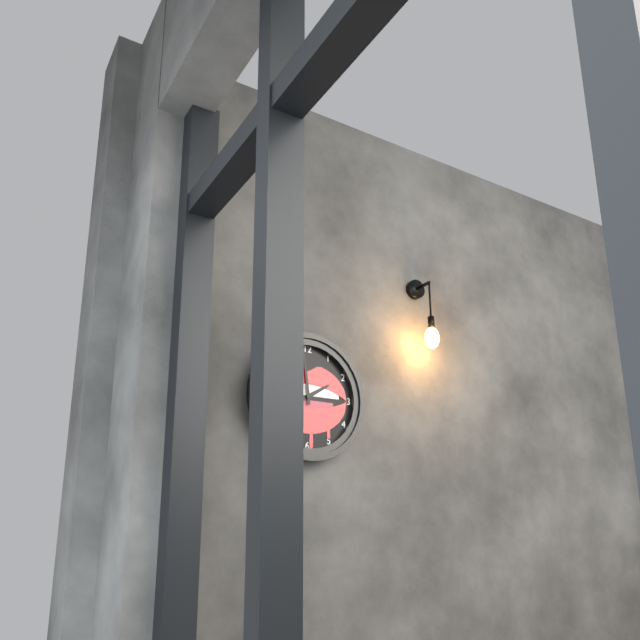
1h59
